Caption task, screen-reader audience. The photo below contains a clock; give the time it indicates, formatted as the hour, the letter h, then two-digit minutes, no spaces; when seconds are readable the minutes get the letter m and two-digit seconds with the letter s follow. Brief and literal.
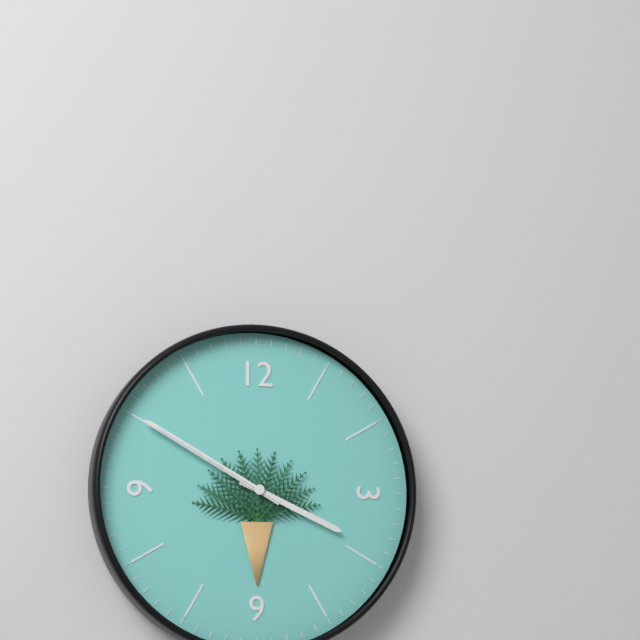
3h50m50s
